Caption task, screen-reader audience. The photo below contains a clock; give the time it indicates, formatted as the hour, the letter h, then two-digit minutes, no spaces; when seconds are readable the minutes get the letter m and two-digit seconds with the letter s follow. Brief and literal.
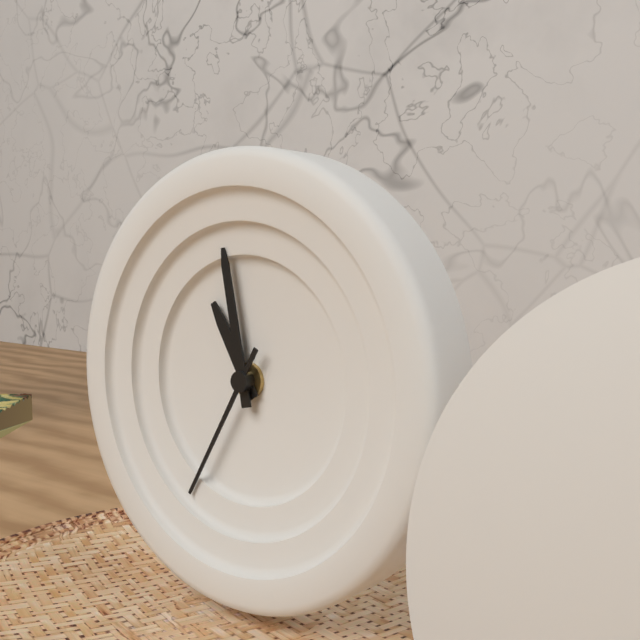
10h58m35s
